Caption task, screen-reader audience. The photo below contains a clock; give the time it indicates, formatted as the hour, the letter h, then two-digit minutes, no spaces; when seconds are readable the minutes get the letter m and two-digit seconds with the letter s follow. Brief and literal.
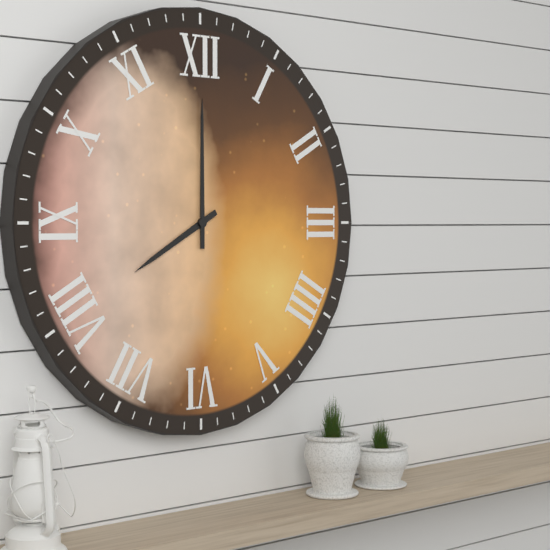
8h00
